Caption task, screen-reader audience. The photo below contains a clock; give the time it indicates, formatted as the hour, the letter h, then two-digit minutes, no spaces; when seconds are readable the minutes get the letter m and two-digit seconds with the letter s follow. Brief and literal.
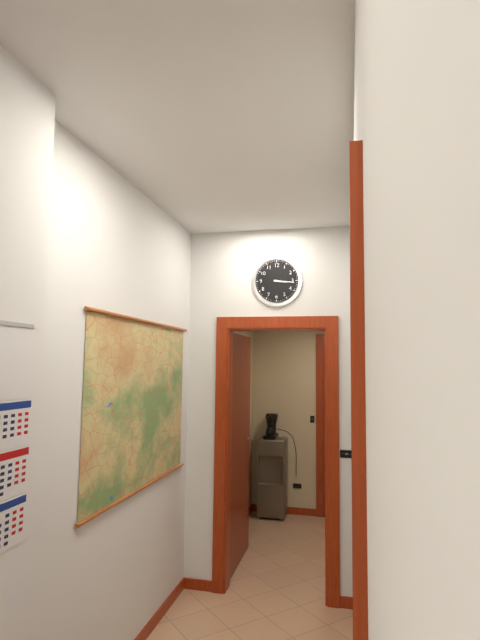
3h16
